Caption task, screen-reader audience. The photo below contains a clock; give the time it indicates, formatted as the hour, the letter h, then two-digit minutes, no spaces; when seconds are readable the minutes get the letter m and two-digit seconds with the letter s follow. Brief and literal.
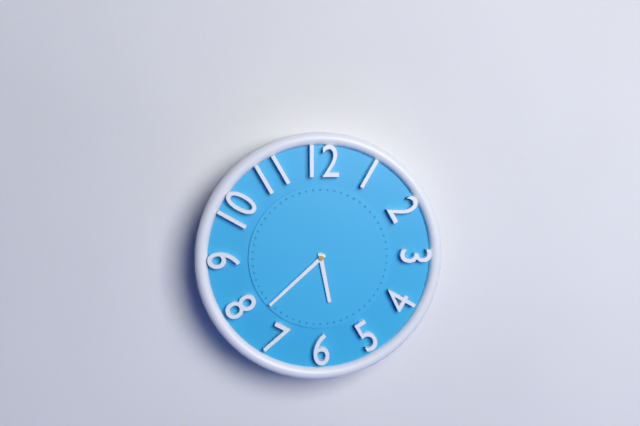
5h38
